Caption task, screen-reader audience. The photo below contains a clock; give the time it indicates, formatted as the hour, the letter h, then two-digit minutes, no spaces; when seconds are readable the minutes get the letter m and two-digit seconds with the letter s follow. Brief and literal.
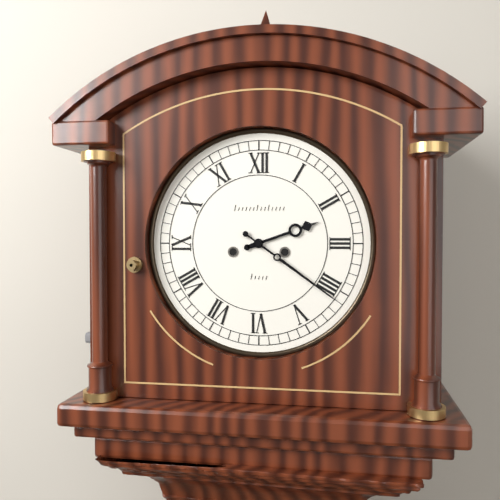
2h21
